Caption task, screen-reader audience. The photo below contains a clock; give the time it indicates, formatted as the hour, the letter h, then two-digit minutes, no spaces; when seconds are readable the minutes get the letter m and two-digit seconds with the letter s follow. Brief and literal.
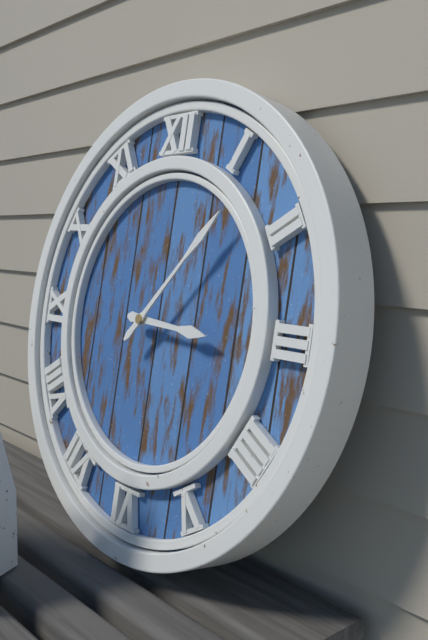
3h07
